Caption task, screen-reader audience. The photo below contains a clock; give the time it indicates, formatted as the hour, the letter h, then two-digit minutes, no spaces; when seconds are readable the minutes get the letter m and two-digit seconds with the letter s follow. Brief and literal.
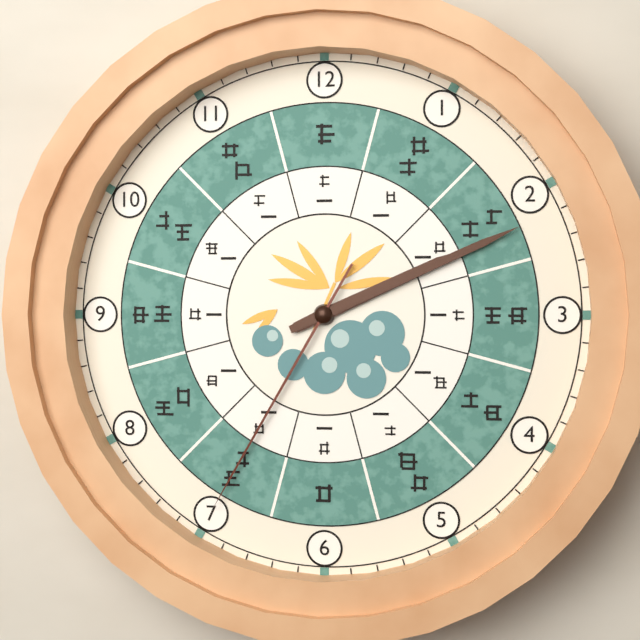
2h11m35s
